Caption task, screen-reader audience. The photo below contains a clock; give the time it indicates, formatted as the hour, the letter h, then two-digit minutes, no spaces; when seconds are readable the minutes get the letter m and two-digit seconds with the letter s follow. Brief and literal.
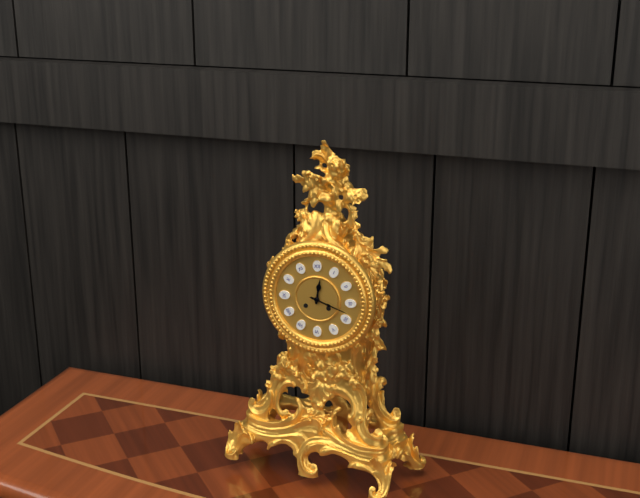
12h18
